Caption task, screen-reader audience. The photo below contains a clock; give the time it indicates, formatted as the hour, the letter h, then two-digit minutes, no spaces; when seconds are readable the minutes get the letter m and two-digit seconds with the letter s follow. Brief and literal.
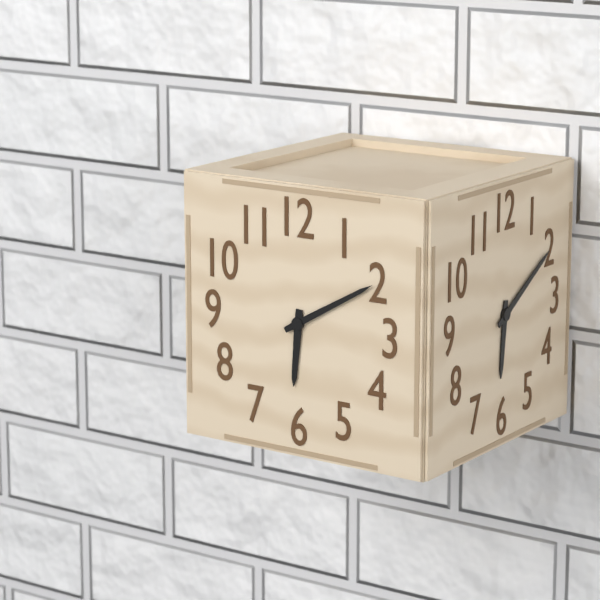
6h10
